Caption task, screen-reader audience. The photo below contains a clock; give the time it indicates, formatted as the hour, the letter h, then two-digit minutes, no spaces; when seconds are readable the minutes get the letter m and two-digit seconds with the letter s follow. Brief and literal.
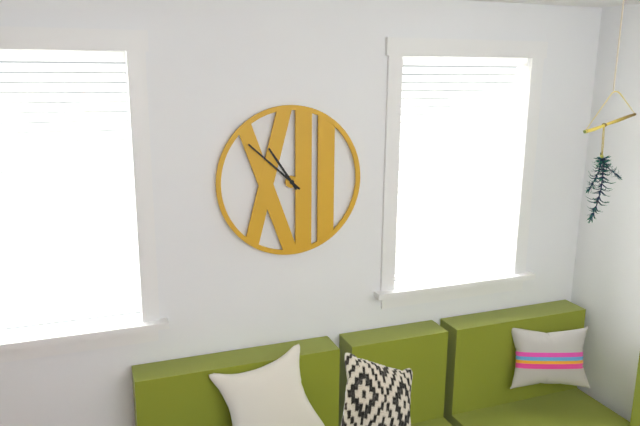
10h52
